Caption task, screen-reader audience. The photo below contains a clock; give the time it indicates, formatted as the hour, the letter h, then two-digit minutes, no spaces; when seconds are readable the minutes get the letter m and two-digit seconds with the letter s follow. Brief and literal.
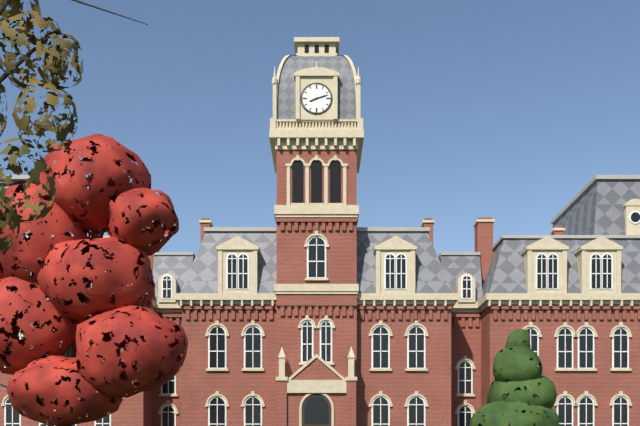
8h12
